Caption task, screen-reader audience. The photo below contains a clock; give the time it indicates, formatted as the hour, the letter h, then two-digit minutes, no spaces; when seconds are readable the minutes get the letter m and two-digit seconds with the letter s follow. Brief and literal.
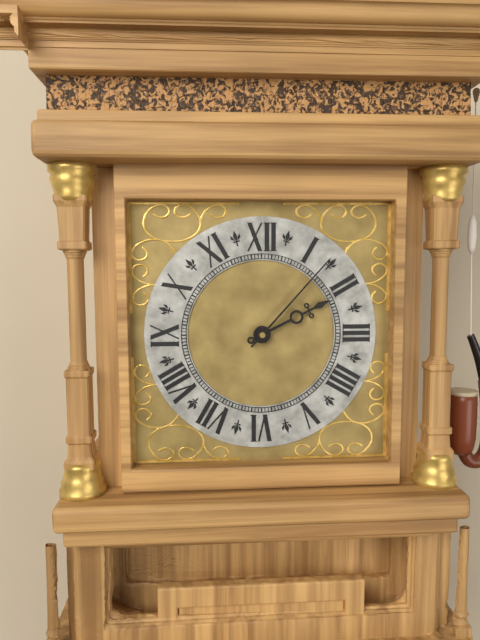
2h07
